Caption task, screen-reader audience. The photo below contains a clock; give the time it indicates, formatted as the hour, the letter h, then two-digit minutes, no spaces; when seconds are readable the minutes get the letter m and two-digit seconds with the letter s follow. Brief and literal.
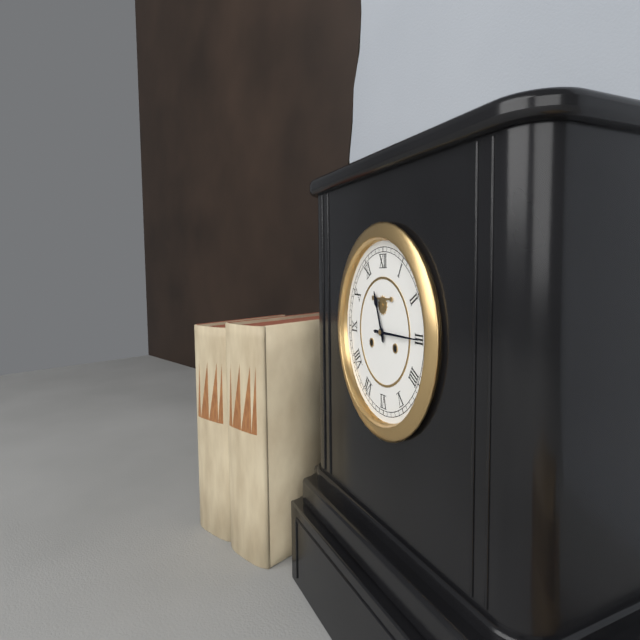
11h15
